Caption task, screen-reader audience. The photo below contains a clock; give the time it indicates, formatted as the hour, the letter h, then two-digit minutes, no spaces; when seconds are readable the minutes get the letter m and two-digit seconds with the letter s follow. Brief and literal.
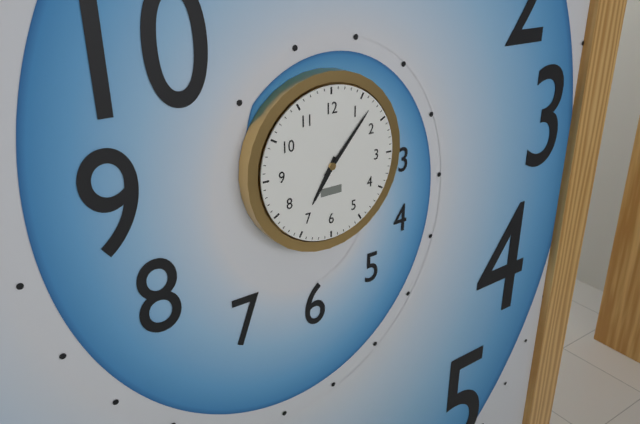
7h07
